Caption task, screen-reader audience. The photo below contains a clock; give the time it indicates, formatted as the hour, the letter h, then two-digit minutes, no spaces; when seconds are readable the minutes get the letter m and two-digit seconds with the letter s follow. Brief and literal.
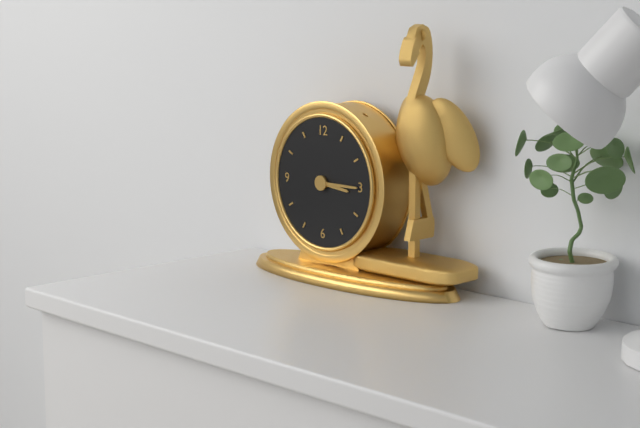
3h15
